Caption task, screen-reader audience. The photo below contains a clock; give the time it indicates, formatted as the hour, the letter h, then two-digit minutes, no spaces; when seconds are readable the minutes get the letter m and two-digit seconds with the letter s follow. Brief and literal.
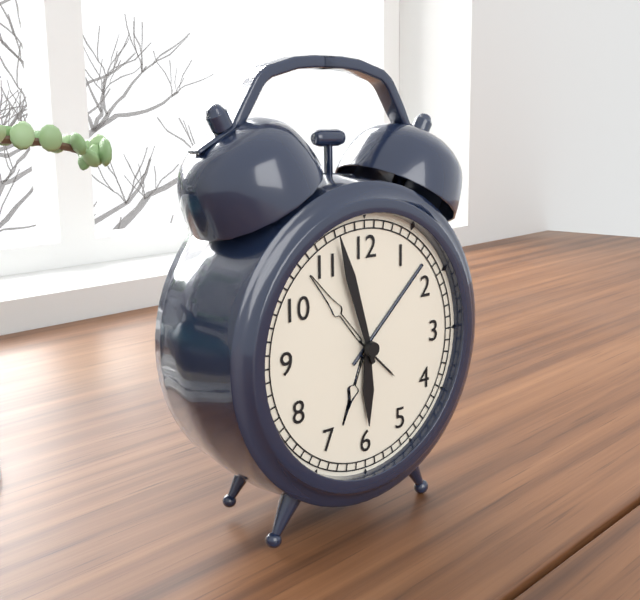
5h57
